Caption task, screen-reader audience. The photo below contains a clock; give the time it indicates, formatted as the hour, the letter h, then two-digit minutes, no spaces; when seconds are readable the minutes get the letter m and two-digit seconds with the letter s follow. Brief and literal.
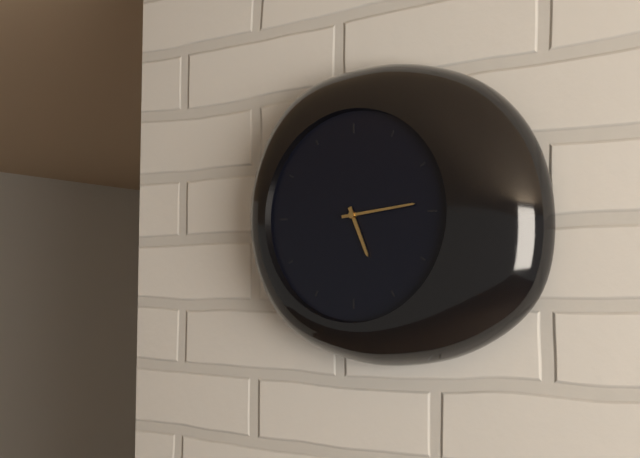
5h14
